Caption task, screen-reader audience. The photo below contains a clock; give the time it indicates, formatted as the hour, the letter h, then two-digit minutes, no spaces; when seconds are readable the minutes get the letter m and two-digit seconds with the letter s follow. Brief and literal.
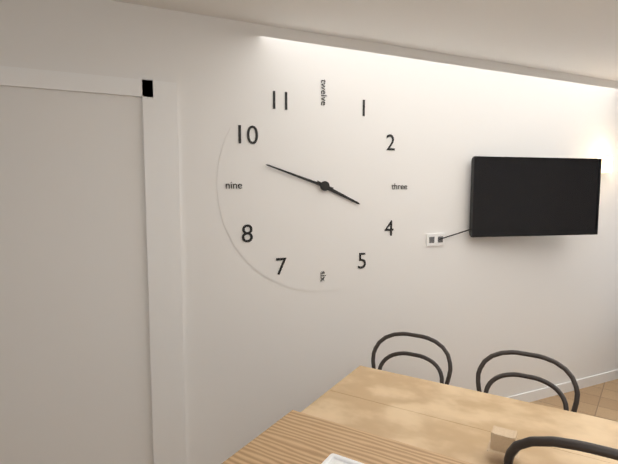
3h48
